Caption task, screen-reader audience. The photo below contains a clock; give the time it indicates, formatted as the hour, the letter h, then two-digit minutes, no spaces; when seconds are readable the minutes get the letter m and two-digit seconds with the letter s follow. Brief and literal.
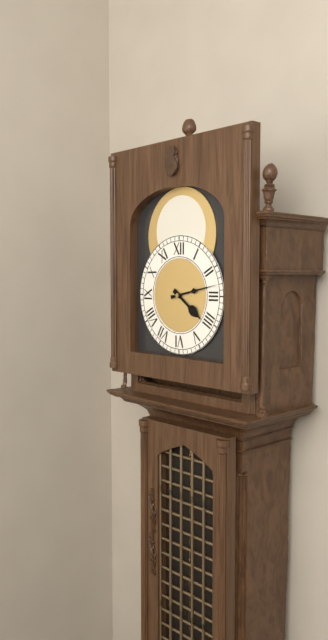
4h13
